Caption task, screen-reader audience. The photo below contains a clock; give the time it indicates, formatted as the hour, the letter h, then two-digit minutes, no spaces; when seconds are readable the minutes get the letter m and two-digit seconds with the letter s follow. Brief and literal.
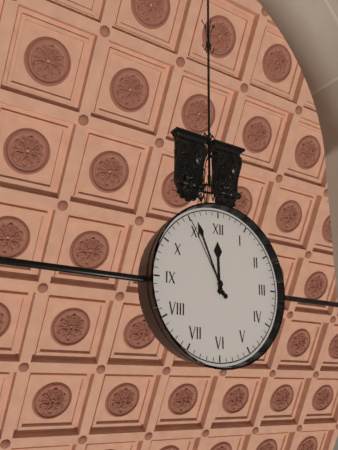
11h56m55s
